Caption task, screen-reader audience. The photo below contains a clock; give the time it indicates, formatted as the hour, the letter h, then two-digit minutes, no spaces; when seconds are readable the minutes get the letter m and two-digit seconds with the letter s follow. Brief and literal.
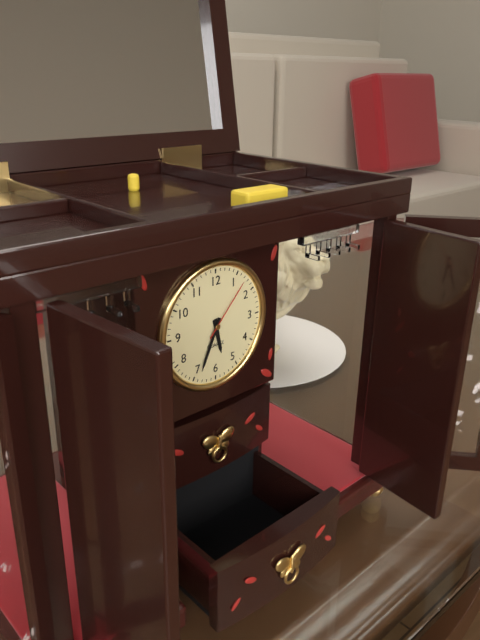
5h34m07s
